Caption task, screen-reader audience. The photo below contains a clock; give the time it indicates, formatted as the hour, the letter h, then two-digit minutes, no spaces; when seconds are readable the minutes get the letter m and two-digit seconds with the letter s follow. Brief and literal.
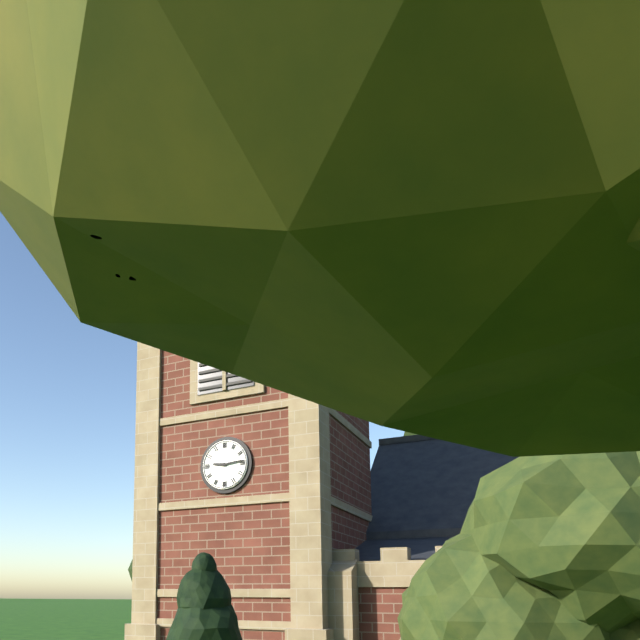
9h14
